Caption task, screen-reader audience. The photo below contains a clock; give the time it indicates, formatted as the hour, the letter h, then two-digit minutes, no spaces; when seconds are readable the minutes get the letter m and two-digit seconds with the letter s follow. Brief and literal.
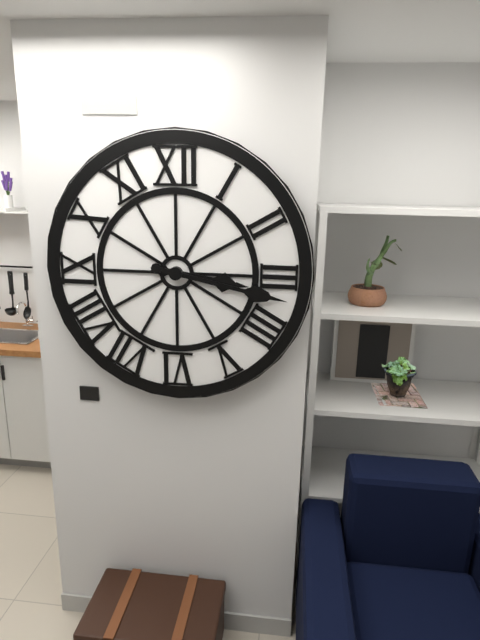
3h17
